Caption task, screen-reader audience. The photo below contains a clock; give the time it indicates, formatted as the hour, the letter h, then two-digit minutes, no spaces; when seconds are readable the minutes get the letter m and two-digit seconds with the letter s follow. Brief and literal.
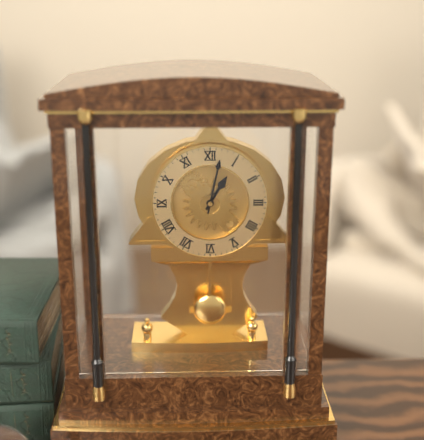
1h02
